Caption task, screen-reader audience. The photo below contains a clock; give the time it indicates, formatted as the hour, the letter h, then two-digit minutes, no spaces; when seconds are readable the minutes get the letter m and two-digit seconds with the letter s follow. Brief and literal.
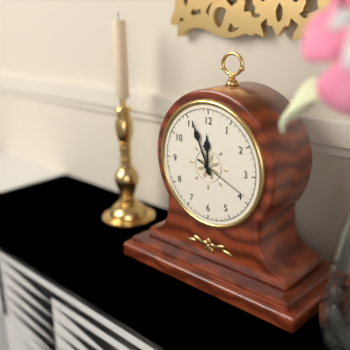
11h56m19s
